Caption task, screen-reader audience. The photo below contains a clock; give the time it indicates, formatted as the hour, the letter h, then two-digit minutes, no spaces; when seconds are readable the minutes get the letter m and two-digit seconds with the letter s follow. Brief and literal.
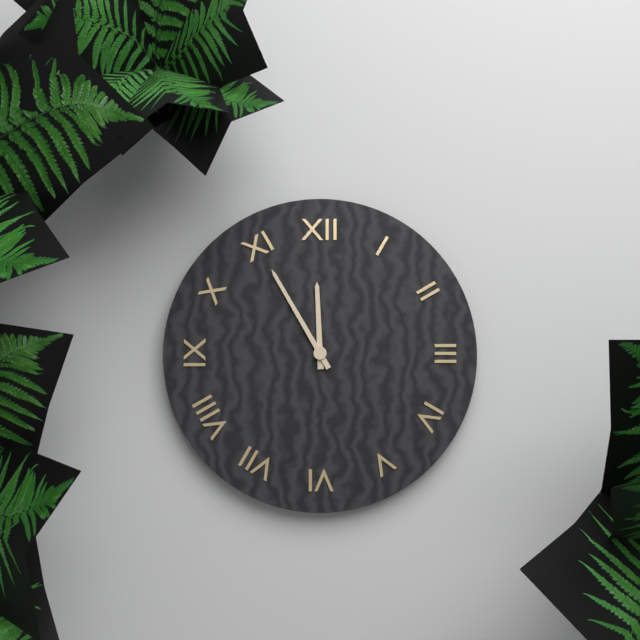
11h55
